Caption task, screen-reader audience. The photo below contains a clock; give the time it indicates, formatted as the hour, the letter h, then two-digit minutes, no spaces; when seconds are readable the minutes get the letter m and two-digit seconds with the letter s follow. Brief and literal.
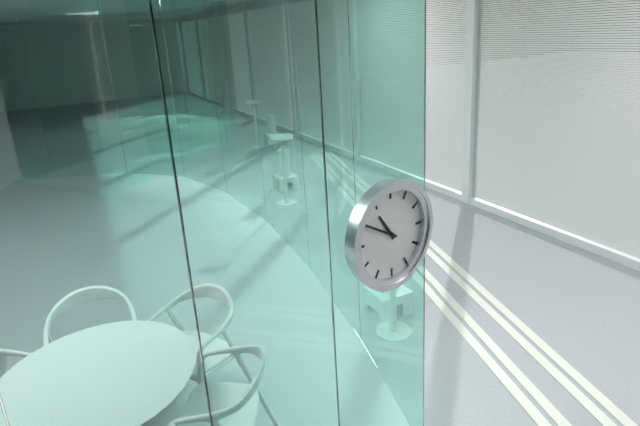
10h50
